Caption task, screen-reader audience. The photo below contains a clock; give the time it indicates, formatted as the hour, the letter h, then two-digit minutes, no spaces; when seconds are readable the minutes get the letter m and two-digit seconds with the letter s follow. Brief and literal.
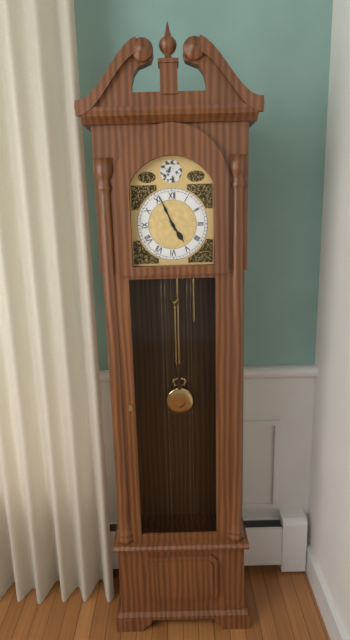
4h56
